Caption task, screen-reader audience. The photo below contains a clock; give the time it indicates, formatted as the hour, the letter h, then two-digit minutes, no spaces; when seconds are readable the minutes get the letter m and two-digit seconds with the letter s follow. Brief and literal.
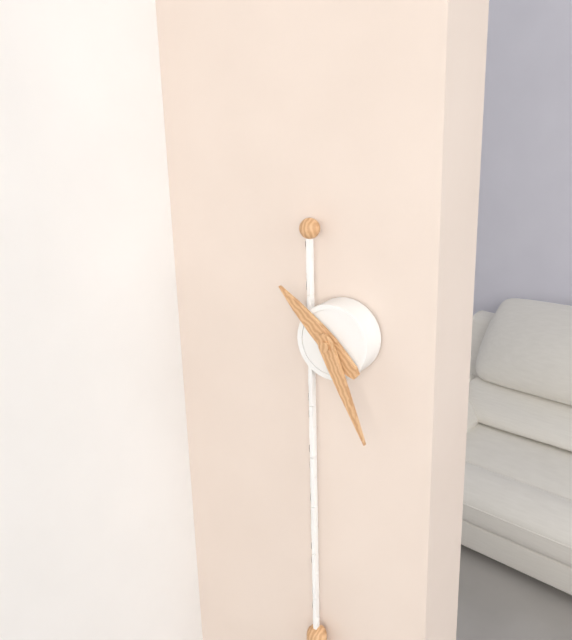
10h26
